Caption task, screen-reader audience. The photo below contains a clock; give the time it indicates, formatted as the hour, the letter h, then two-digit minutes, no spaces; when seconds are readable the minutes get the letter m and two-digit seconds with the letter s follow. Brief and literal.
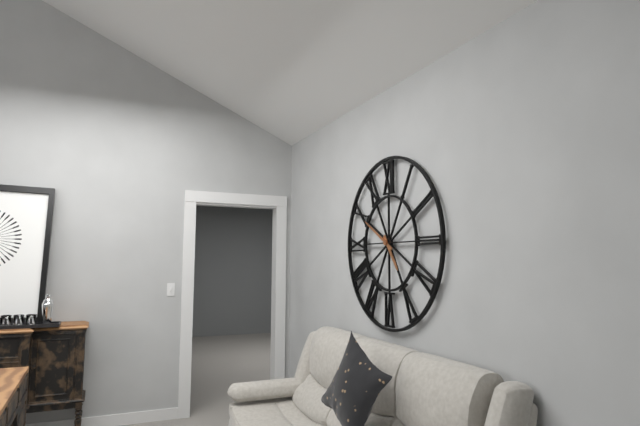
4h50
